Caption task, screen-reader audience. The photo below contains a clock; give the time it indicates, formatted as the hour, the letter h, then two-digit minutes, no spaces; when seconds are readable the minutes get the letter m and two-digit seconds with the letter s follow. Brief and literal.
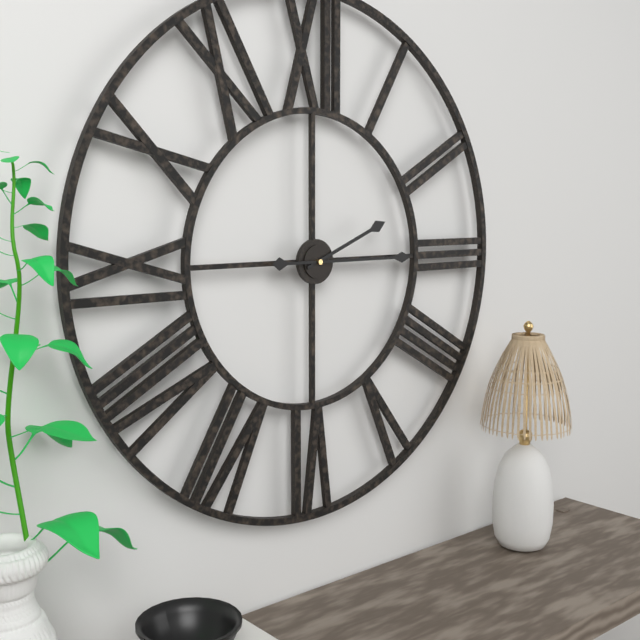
2h15
